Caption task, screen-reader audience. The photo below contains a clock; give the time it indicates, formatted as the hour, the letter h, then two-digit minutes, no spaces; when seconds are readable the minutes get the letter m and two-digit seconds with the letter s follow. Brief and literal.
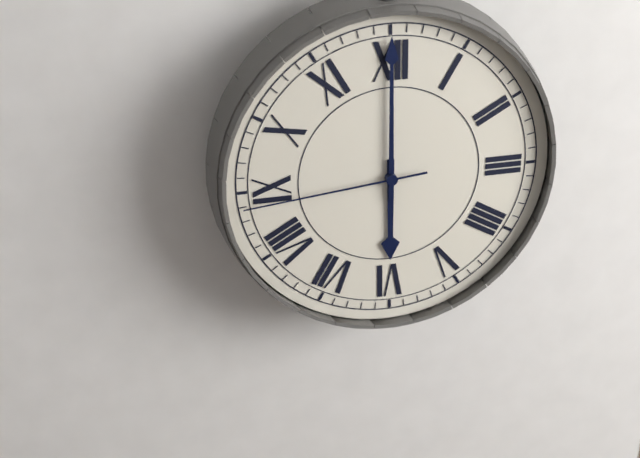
6h00m44s
